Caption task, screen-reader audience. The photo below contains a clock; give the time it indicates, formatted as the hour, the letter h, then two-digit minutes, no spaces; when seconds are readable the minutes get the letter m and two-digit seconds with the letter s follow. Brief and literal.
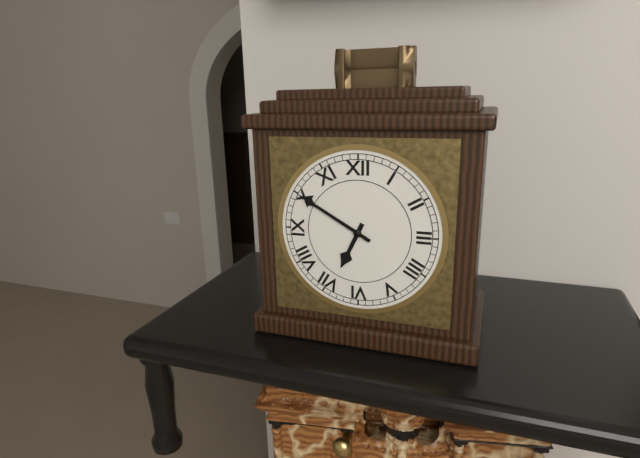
6h50
